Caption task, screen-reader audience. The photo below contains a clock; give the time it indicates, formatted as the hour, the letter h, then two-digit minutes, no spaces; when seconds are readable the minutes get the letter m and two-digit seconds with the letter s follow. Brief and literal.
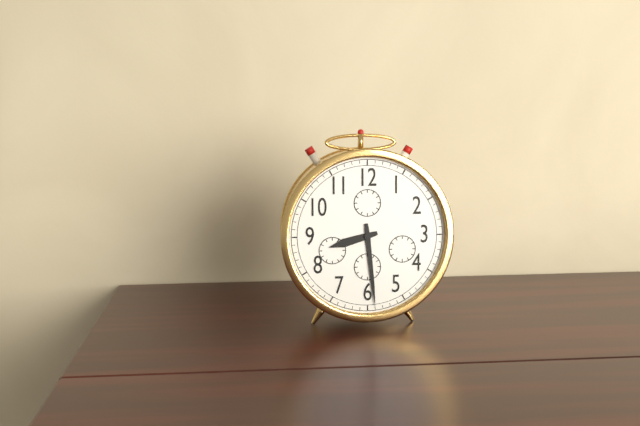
8h29
